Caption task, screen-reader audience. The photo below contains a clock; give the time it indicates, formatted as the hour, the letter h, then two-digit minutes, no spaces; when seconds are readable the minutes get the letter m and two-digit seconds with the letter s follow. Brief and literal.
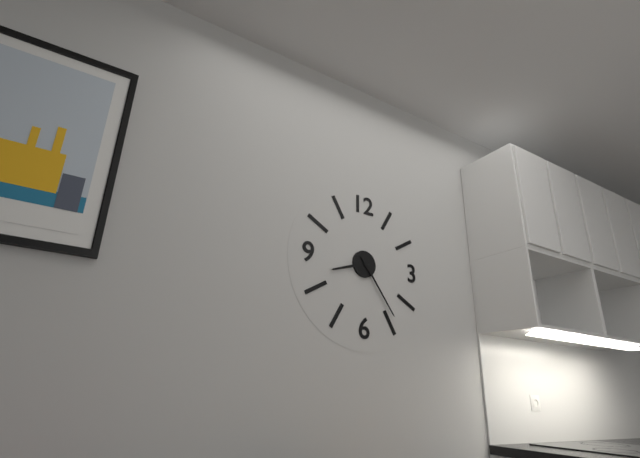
8h24
